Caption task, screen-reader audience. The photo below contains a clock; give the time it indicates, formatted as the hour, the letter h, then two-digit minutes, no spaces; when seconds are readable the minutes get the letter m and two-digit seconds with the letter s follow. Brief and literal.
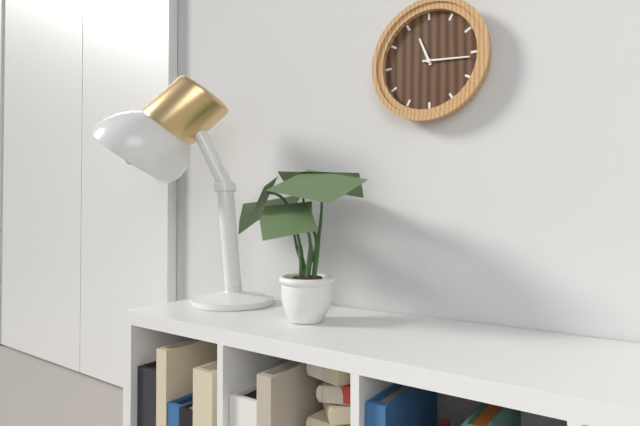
11h16
